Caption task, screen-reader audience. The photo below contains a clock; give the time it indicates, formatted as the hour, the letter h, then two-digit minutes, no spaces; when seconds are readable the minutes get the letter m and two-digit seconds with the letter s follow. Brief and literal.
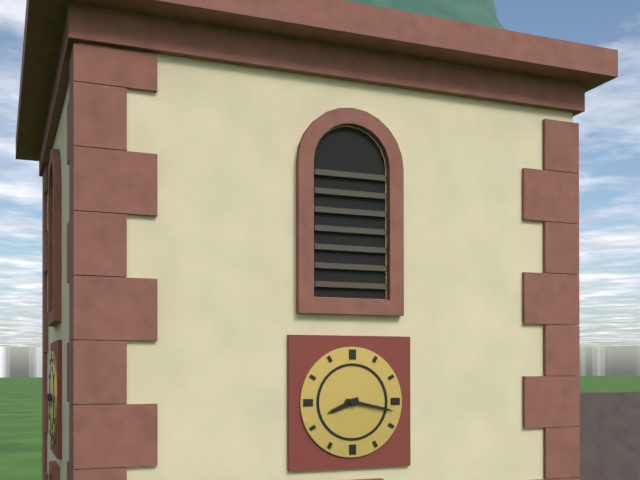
8h17
